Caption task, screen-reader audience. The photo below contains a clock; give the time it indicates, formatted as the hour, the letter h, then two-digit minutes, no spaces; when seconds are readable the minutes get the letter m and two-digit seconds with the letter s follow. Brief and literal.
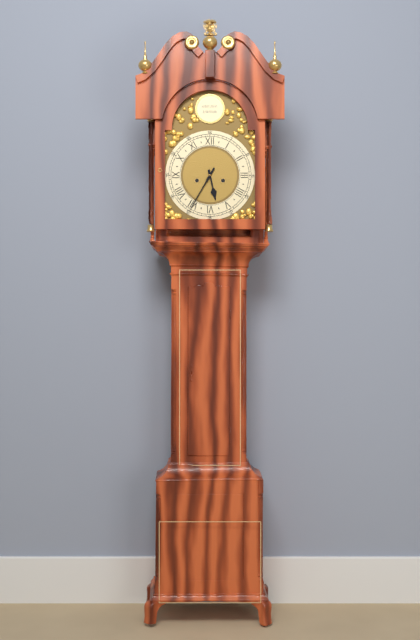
5h35
